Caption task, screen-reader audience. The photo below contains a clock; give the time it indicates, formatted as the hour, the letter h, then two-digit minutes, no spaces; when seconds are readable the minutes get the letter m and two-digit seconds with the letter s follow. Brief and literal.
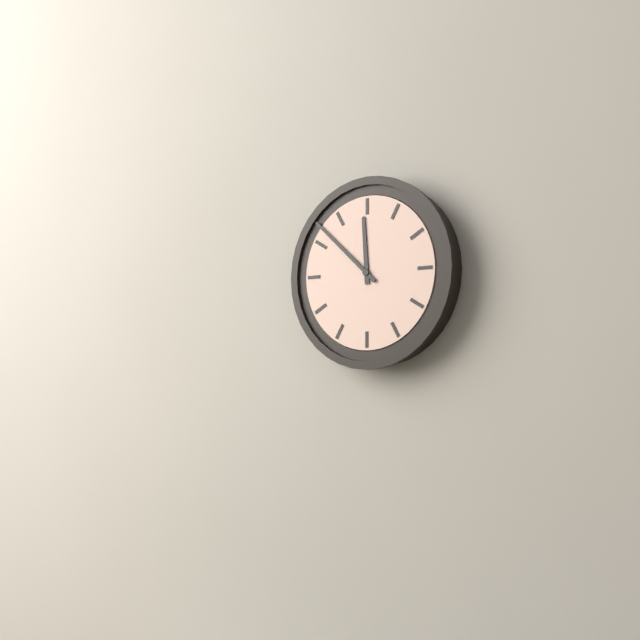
11h52
